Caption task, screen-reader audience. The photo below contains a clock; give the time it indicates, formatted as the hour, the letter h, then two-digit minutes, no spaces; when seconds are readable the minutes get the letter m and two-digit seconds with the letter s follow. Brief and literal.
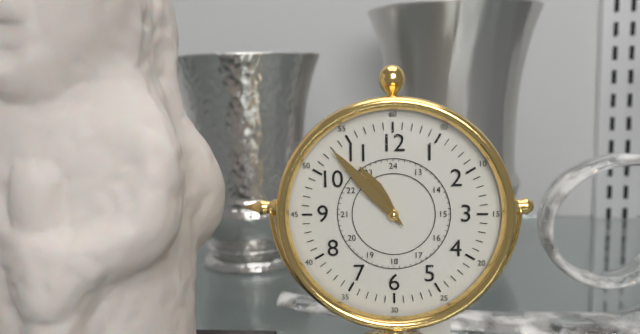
10h53
